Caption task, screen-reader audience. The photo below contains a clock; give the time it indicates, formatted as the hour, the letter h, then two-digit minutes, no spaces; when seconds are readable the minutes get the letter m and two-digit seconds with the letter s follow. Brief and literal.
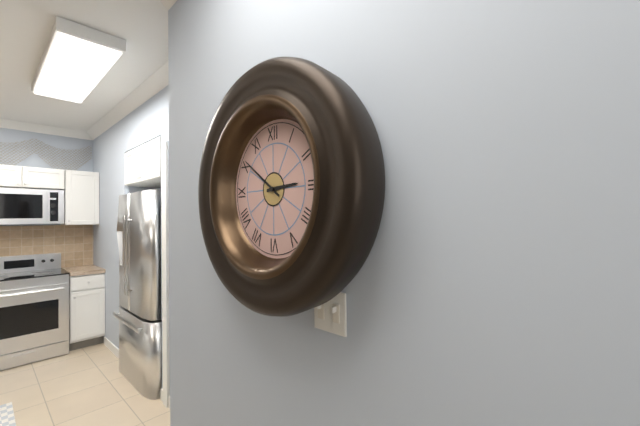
2h51
